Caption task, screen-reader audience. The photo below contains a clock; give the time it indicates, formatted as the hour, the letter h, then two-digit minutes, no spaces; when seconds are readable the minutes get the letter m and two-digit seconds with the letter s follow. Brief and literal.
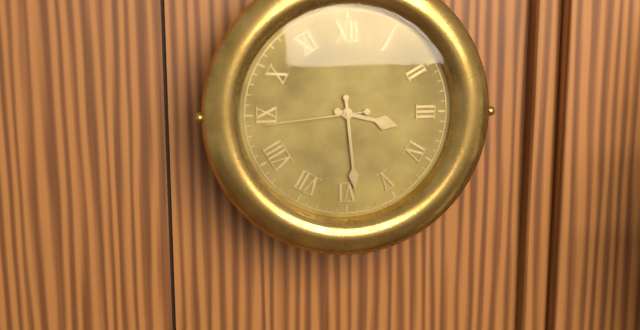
3h29m44s
